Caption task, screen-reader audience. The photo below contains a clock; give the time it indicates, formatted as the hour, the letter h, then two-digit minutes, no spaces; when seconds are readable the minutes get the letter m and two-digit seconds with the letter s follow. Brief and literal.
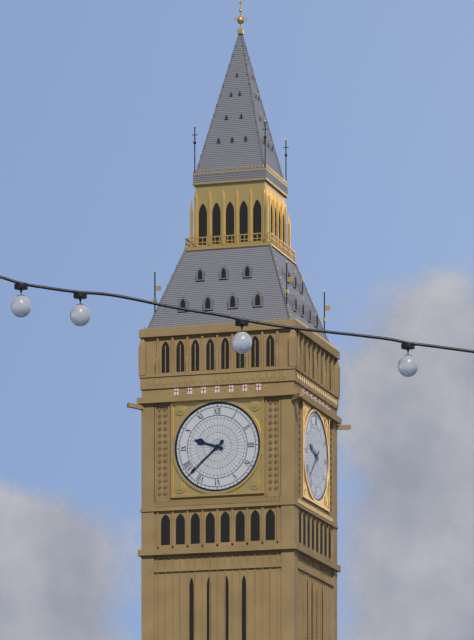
9h38
